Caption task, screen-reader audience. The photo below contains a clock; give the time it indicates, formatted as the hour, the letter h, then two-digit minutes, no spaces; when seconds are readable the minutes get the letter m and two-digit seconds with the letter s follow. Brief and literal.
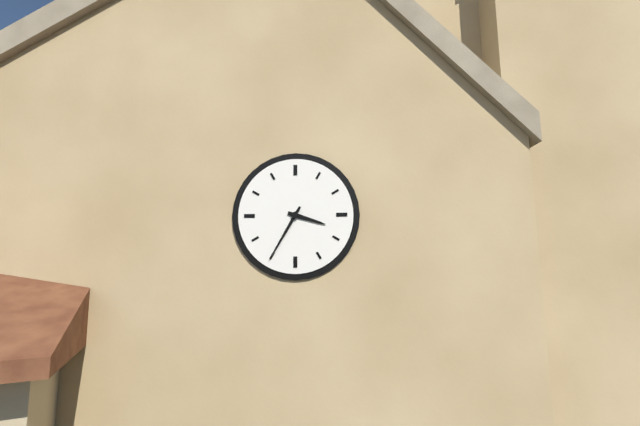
3h35
